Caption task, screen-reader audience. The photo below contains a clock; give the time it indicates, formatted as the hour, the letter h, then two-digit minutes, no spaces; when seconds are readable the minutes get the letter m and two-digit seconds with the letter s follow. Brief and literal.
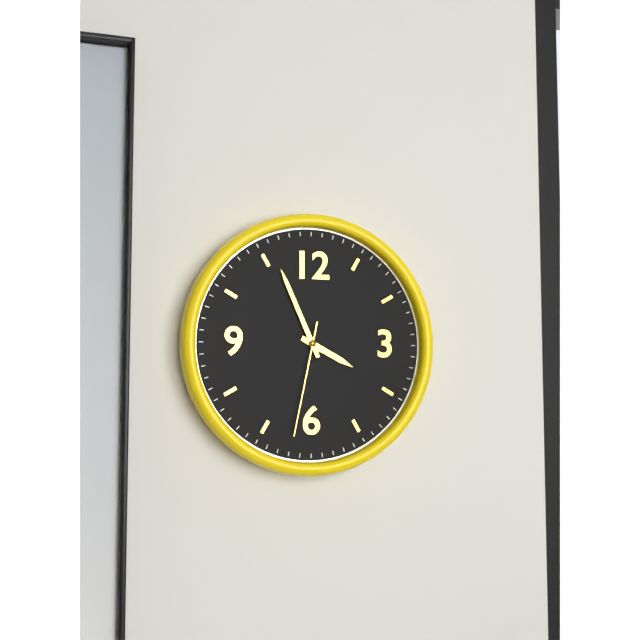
3h56m32s
